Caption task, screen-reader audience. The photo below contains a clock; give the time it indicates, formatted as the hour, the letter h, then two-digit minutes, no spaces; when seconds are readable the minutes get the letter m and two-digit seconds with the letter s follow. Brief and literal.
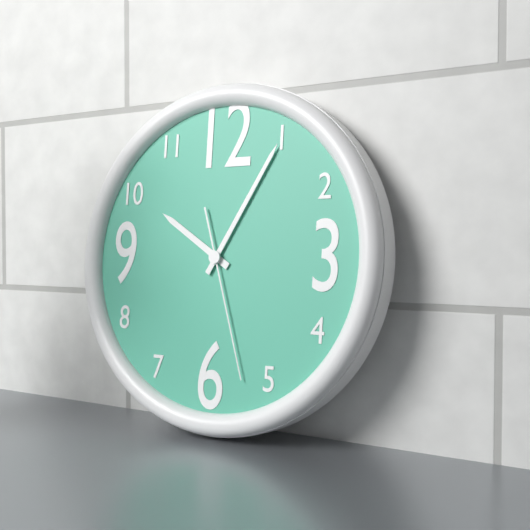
10h05m27s
